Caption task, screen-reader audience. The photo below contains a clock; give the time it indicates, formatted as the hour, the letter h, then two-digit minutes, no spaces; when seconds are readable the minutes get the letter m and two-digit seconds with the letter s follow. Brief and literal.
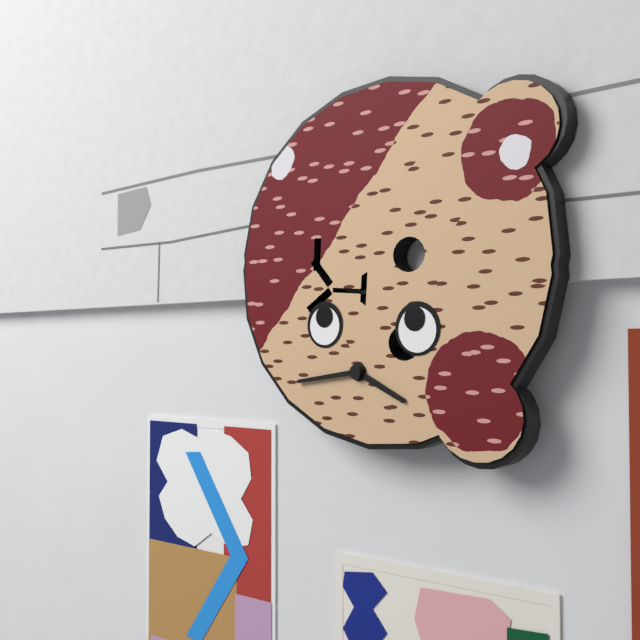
3h43
